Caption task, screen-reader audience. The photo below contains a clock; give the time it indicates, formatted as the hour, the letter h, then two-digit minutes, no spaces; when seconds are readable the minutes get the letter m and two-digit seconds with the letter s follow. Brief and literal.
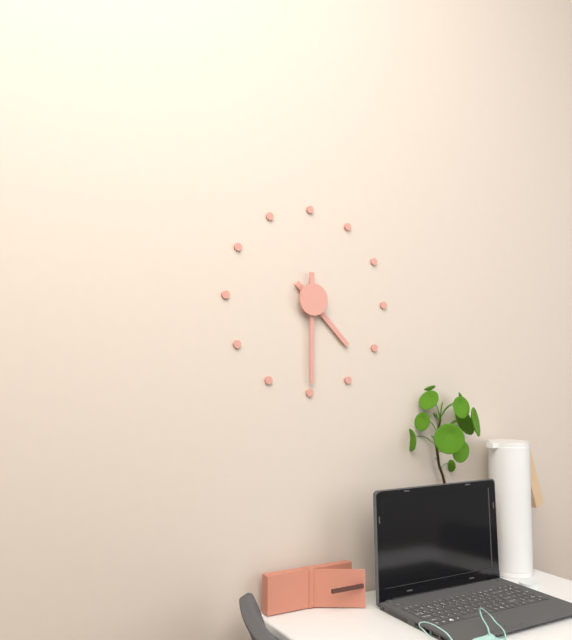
4h30
